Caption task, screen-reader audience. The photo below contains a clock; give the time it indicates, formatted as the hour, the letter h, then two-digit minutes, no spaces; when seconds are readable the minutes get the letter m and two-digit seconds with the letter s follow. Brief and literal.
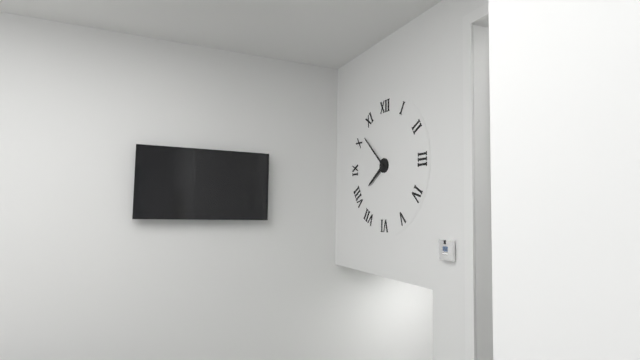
7h52
